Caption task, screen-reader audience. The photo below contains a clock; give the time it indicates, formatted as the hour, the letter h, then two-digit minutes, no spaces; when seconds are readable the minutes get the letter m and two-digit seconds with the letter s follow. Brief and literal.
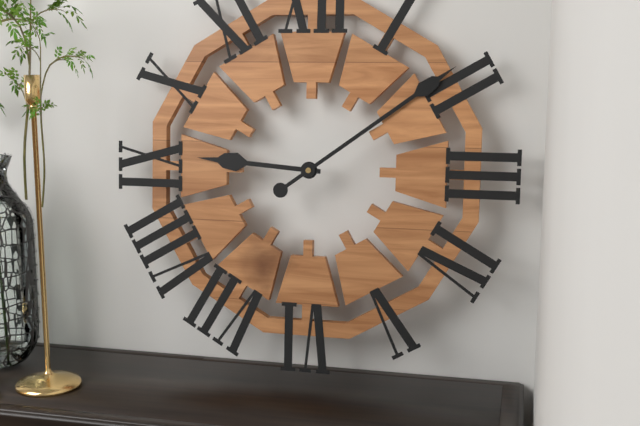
9h09
